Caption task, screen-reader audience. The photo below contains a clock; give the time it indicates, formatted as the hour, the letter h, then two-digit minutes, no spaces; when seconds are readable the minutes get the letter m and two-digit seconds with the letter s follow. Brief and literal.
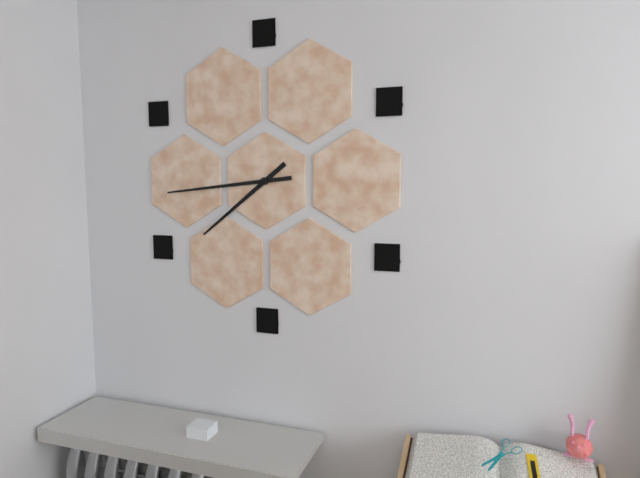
7h44
